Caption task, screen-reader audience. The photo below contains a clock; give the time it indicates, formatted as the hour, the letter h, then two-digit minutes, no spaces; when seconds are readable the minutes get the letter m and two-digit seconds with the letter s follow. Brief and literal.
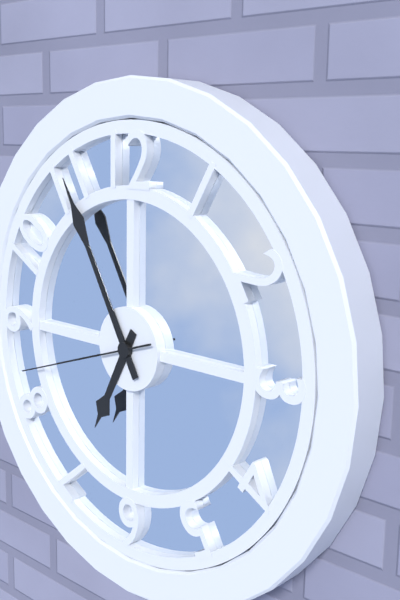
6h55m42s
